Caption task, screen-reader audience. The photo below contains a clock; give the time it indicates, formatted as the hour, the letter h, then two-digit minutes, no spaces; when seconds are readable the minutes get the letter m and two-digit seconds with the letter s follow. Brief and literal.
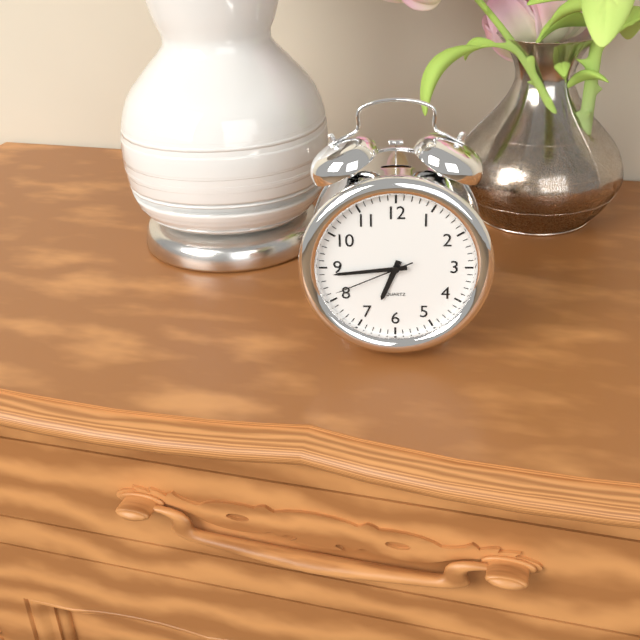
6h44m41s
